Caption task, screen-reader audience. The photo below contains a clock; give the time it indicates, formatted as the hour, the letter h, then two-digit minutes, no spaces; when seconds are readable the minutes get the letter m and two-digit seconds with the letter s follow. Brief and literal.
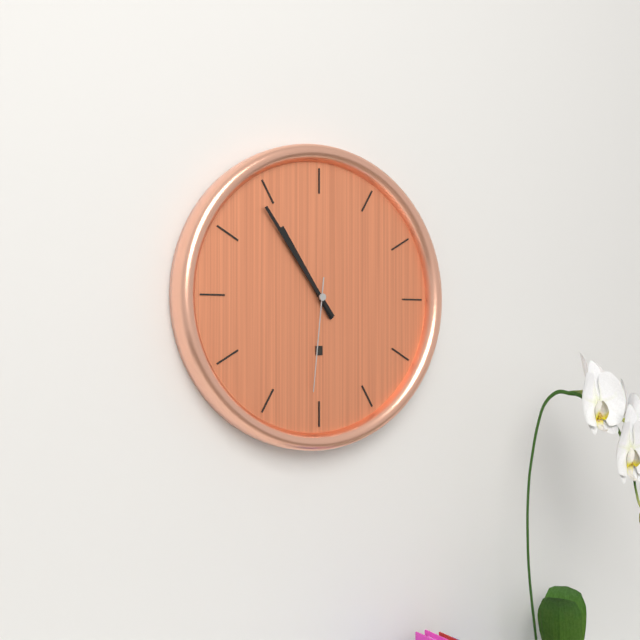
10h54m31s
